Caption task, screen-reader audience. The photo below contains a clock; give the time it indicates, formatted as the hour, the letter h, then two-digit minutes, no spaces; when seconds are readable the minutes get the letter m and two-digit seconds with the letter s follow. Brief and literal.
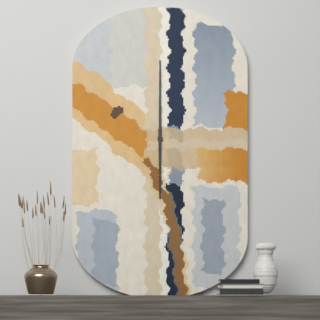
6h00
